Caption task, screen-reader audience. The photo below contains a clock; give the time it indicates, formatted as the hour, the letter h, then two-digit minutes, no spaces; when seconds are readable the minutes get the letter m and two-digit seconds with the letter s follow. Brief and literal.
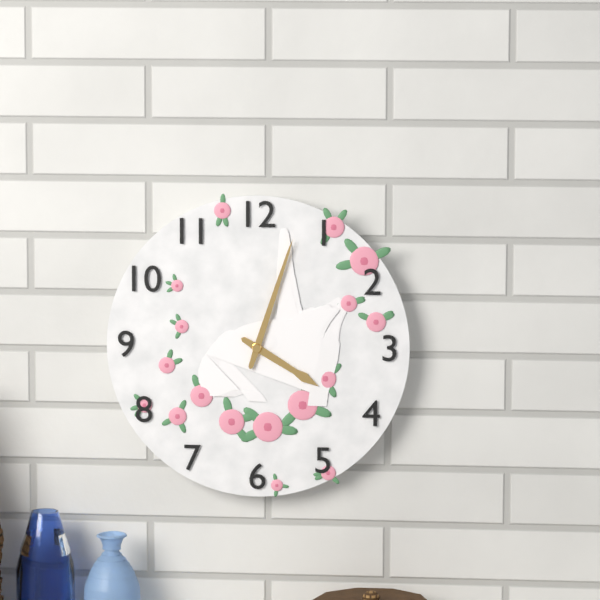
4h03
